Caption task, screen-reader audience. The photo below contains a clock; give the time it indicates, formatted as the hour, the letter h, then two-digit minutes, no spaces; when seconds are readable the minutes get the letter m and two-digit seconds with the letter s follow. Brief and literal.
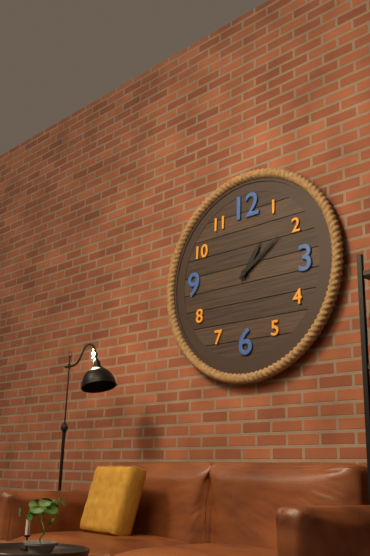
1h09
